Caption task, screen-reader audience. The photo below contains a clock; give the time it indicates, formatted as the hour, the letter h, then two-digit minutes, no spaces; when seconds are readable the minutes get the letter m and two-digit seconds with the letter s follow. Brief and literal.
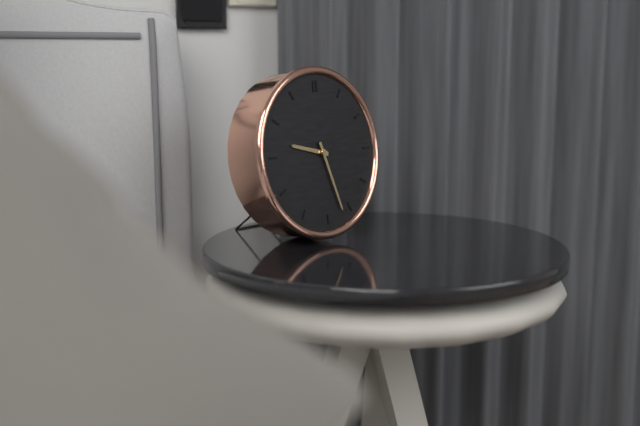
9h27
